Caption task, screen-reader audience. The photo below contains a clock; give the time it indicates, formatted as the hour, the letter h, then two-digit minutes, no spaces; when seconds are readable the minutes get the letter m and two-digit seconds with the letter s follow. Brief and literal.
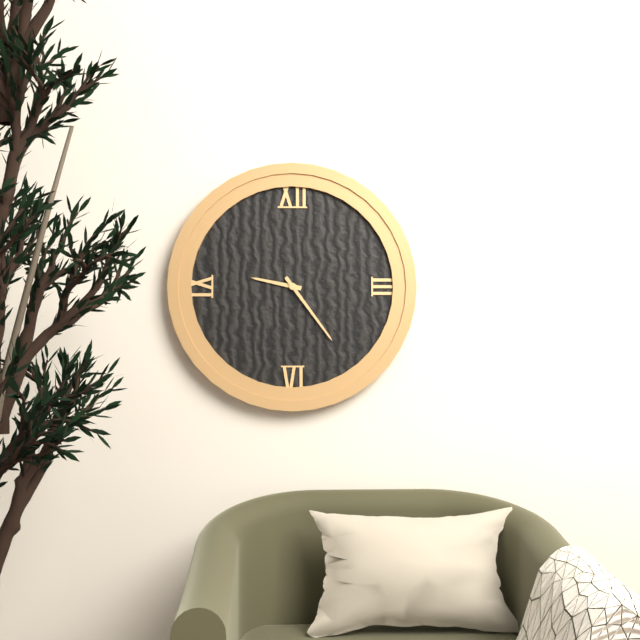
9h24
